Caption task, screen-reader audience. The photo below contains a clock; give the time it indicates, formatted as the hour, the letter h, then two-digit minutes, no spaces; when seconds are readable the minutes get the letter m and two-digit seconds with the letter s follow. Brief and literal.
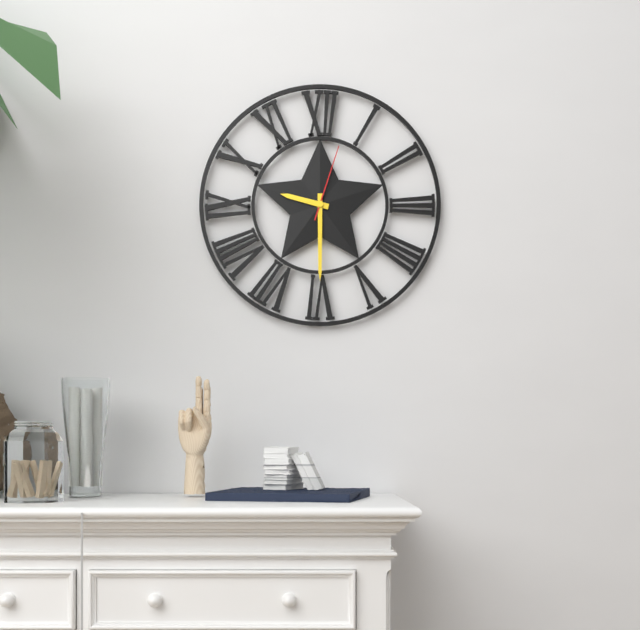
9h30m03s
